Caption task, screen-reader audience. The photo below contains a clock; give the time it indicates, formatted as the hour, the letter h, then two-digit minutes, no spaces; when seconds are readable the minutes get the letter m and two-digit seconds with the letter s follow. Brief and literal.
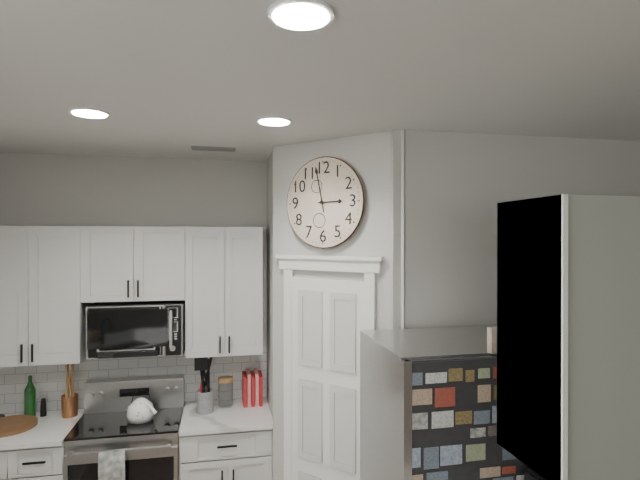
2h58
